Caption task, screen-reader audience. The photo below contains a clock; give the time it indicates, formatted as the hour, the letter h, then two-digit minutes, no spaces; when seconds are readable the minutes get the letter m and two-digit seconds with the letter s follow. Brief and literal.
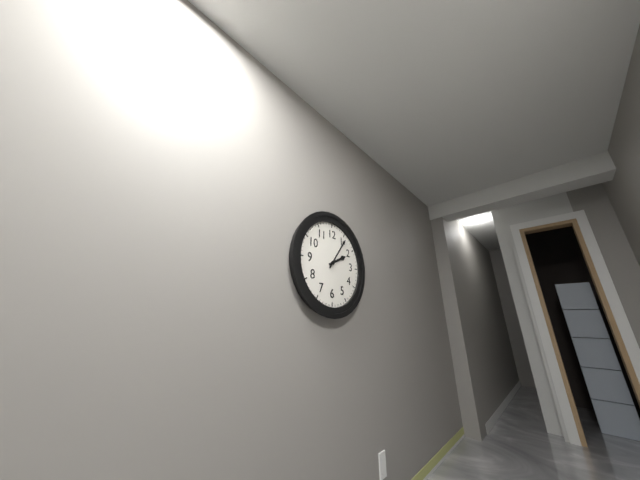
2h06
